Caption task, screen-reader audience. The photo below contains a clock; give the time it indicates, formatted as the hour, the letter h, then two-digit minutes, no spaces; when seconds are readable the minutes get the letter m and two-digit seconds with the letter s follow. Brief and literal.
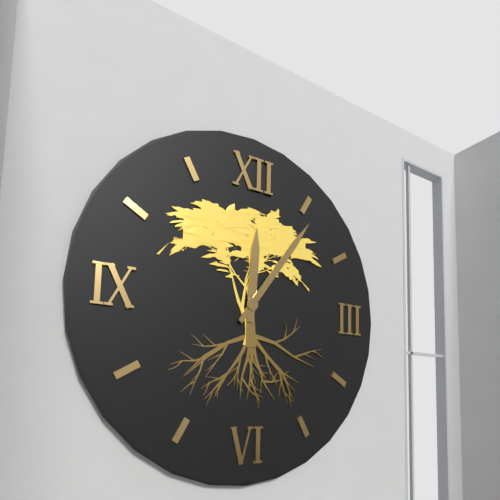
12h06
